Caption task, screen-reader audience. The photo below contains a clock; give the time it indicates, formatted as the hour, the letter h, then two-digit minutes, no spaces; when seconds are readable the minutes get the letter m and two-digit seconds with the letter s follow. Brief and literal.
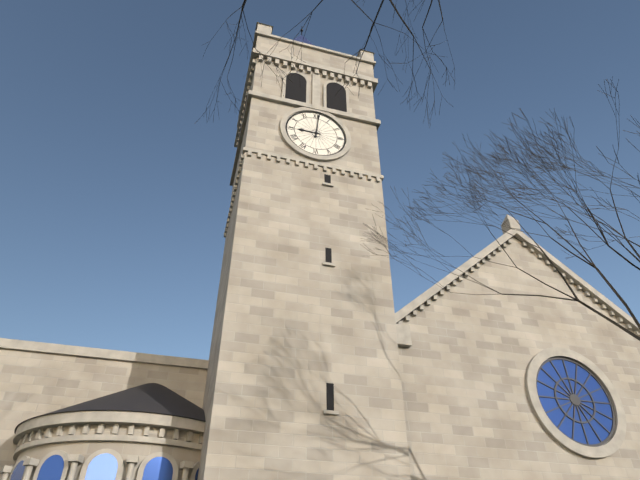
9h01
